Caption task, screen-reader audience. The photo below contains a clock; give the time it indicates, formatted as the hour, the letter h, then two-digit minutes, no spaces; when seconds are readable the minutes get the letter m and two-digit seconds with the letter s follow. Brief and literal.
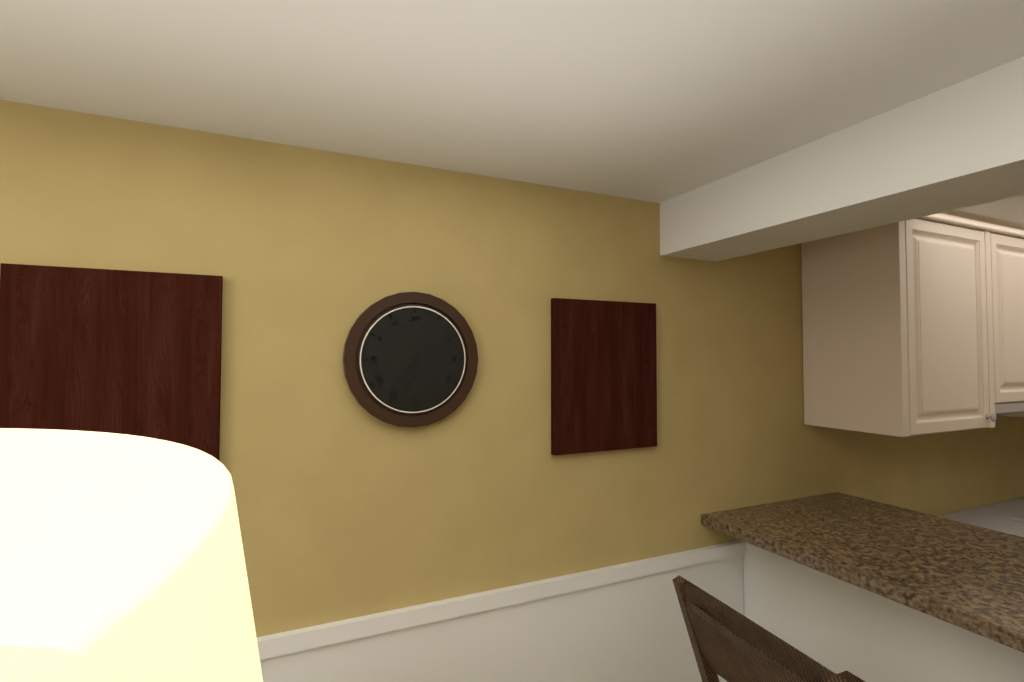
7h33
